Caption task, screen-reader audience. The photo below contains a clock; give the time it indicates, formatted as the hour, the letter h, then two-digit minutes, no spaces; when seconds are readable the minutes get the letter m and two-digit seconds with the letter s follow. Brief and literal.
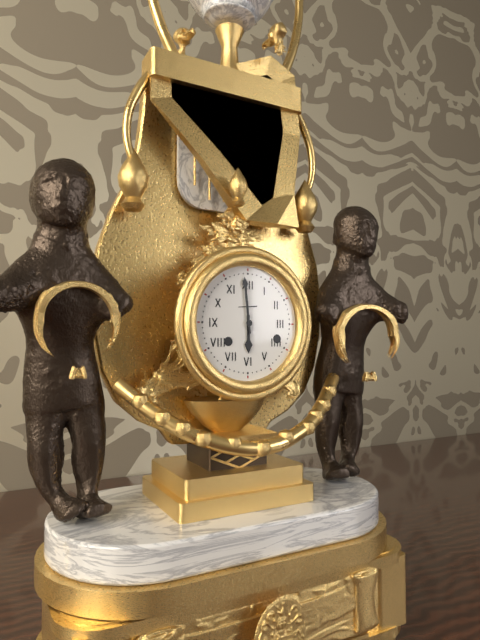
5h59
